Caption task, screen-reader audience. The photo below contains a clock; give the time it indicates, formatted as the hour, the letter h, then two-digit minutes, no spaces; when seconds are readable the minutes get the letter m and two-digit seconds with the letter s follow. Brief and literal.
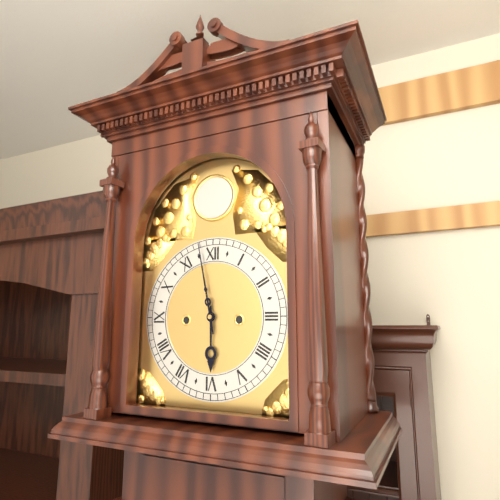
5h58
